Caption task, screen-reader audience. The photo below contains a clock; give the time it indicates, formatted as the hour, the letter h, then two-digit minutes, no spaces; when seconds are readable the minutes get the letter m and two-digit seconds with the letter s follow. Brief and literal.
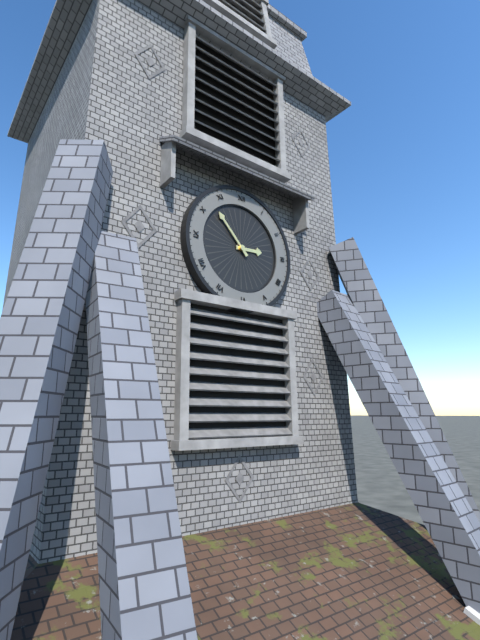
2h53
